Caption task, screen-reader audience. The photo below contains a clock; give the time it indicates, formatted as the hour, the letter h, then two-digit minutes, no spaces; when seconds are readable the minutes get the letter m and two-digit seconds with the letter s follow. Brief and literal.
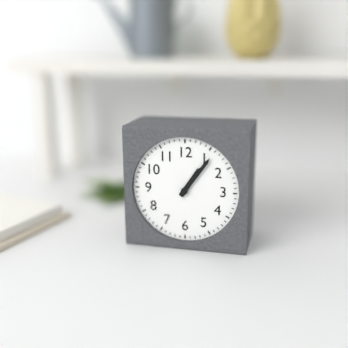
1h06
